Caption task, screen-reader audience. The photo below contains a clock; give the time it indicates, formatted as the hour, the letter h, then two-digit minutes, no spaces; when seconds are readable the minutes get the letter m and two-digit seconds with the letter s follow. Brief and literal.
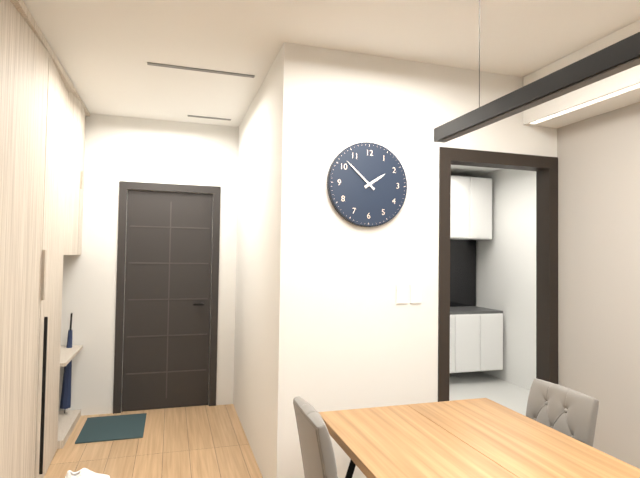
1h52
